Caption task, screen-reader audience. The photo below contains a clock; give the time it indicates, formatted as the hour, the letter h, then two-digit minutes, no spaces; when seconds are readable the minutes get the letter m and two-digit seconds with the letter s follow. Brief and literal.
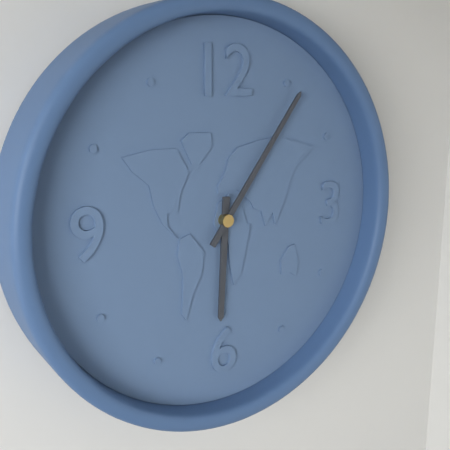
6h06
